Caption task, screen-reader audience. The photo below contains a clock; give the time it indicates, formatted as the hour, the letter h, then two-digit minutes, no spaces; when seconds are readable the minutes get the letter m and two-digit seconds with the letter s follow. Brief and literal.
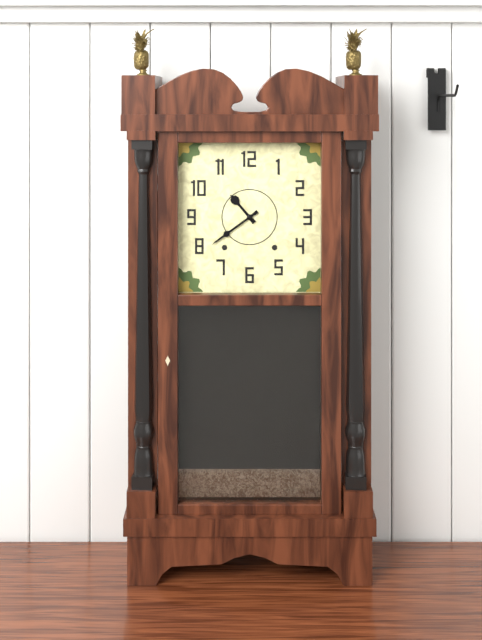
10h39
